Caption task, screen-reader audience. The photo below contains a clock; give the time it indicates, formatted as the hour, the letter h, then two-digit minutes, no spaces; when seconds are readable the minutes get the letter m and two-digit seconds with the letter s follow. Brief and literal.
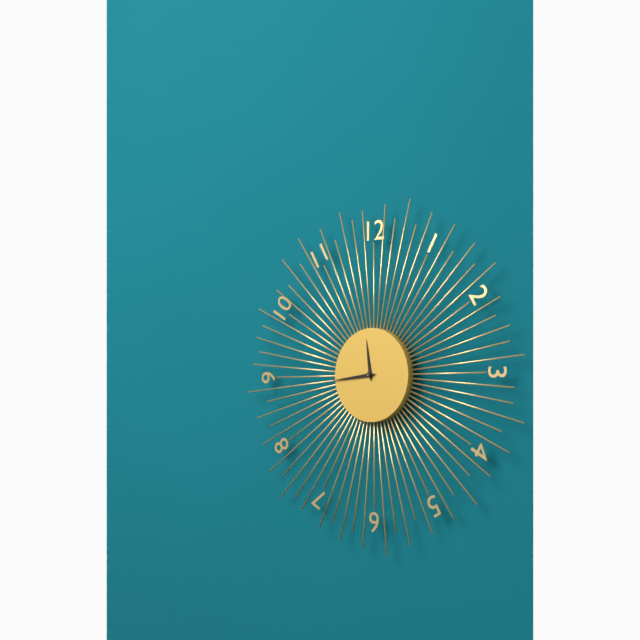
11h44
